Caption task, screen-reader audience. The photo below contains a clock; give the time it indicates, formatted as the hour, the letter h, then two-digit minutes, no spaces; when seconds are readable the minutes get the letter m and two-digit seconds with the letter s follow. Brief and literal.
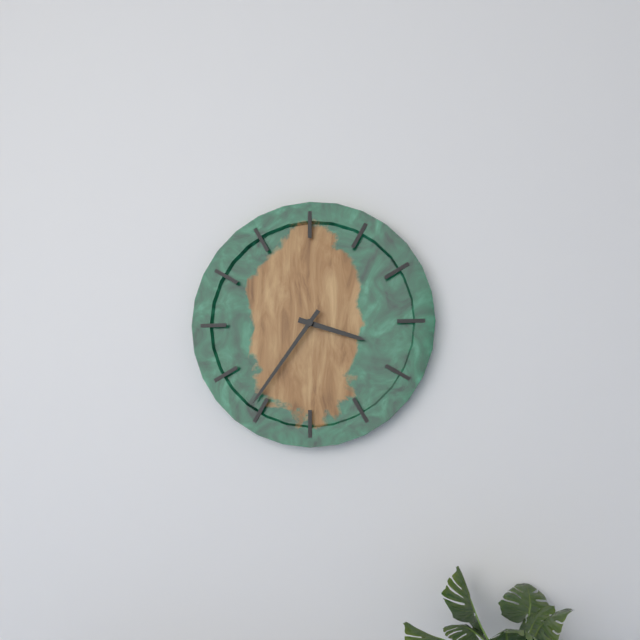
3h36
